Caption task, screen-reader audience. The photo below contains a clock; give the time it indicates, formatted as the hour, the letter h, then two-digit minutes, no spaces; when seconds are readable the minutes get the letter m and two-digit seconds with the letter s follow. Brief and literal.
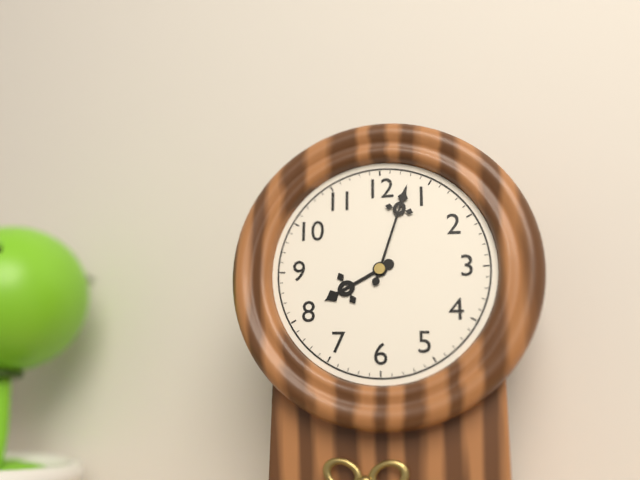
8h03
